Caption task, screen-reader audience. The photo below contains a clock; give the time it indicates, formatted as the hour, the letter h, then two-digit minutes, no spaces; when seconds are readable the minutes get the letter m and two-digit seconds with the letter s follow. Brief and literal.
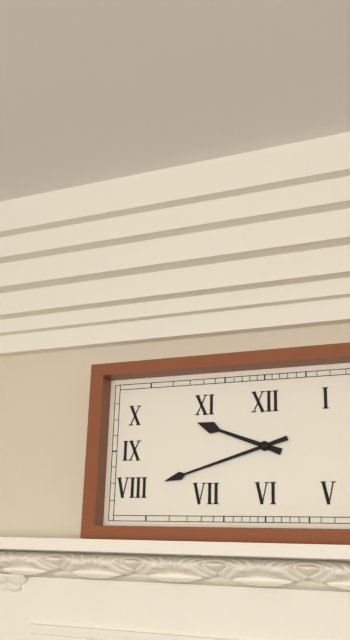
9h42
